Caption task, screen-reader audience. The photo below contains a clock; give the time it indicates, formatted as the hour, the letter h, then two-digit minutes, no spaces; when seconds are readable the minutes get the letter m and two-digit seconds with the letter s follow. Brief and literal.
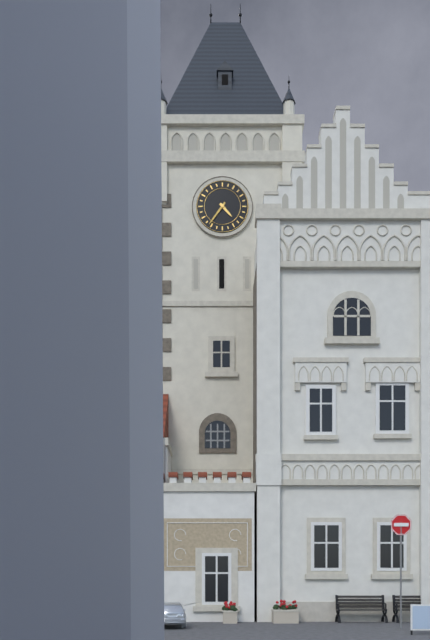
4h36
